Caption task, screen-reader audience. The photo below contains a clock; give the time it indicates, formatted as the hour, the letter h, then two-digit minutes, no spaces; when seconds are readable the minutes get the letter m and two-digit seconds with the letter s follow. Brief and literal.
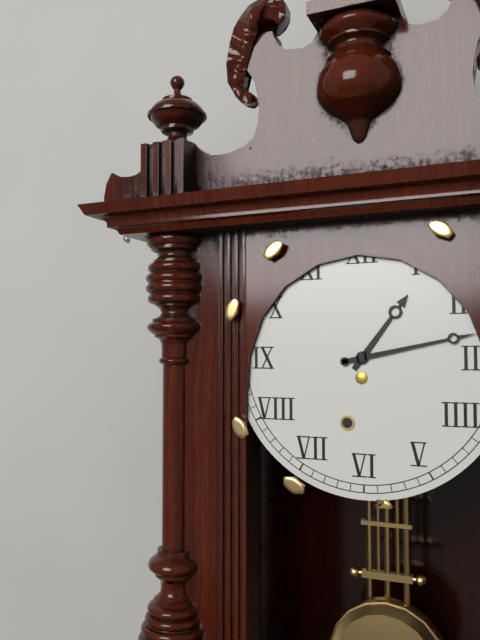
1h13
